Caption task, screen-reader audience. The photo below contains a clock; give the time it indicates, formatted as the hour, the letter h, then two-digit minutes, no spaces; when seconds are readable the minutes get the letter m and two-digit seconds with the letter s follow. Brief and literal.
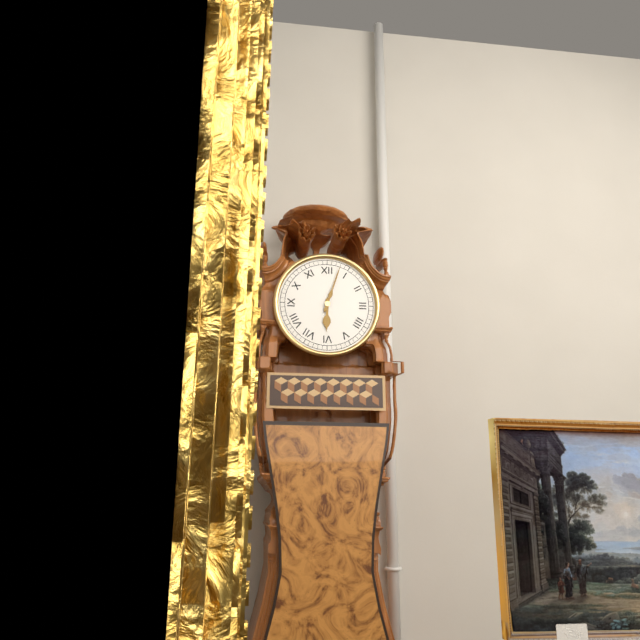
6h03
